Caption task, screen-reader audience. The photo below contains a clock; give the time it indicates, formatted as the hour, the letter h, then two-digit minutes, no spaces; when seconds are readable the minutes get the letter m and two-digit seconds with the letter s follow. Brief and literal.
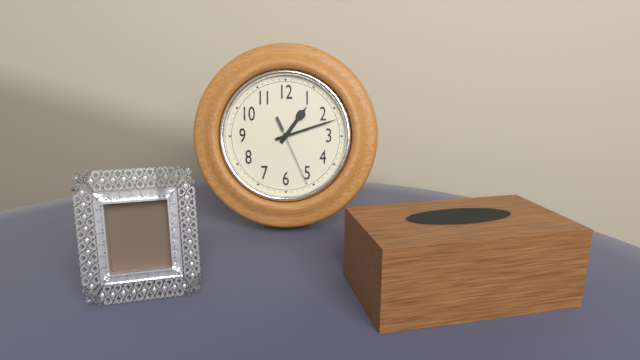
1h12m26s
